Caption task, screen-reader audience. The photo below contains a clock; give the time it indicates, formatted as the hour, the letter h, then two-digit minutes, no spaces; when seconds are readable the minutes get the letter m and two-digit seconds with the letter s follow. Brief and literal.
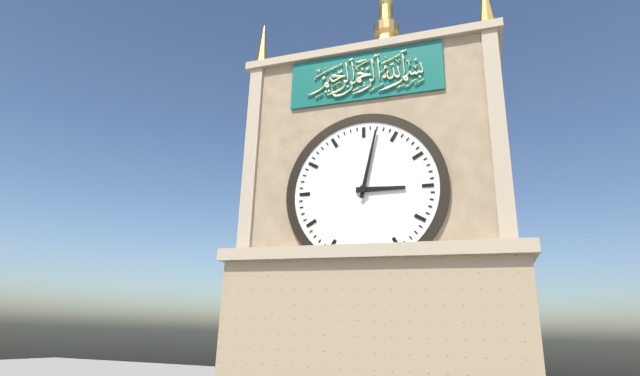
3h02
